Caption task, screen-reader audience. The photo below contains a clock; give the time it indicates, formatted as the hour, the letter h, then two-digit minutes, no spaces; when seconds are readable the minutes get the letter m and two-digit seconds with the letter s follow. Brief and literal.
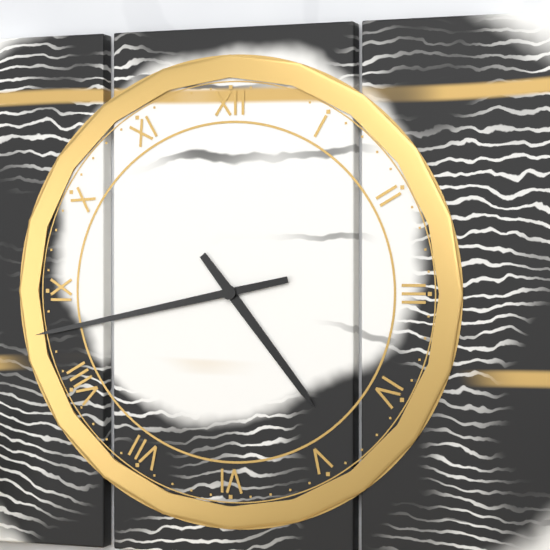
4h43
